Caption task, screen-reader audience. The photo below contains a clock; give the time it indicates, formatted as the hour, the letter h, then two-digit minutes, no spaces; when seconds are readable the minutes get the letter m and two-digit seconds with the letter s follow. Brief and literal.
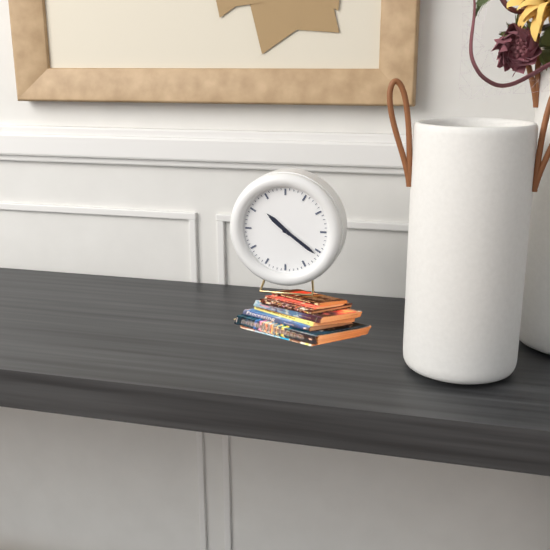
10h21
